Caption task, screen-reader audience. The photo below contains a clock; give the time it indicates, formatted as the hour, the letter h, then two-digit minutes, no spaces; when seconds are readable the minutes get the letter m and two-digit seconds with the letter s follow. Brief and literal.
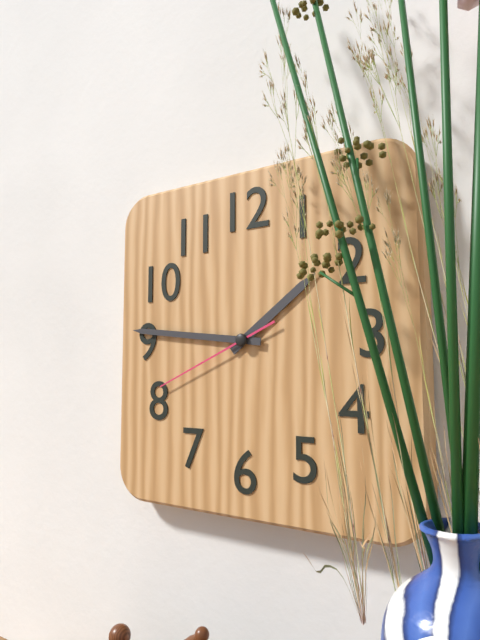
1h46m41s
